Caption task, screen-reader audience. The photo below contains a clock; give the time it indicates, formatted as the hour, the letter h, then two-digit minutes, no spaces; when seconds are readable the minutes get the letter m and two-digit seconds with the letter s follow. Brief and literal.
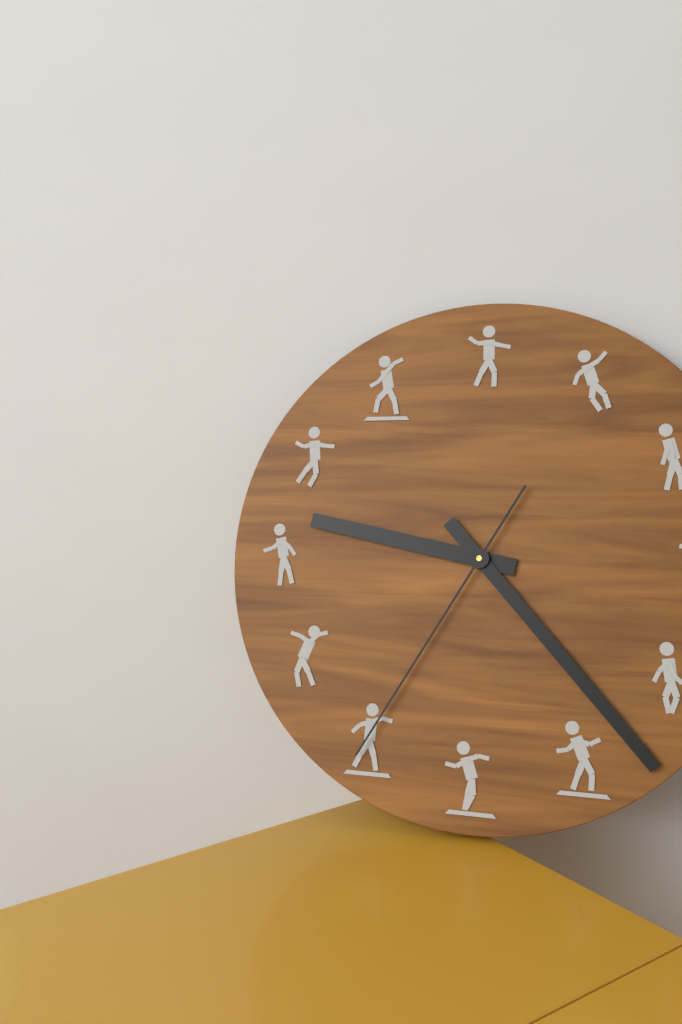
9h23m35s
